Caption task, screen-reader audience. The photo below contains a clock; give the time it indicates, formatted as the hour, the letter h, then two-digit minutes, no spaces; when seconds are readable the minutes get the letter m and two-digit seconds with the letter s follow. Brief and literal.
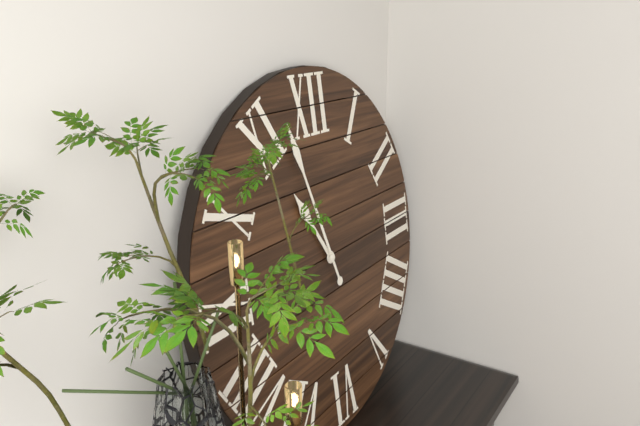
10h57
